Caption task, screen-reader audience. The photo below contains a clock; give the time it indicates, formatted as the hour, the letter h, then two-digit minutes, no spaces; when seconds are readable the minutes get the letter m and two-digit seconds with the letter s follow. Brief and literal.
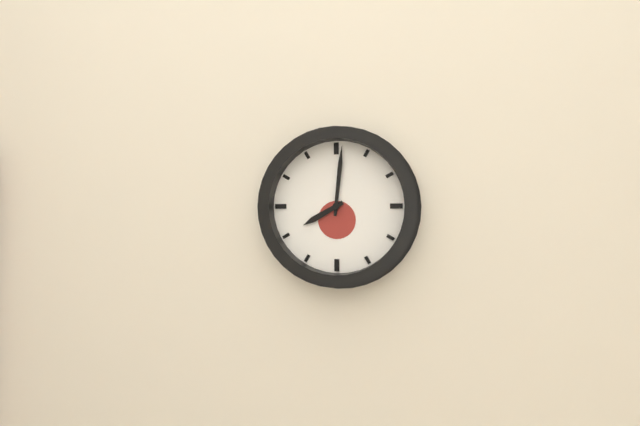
8h01
